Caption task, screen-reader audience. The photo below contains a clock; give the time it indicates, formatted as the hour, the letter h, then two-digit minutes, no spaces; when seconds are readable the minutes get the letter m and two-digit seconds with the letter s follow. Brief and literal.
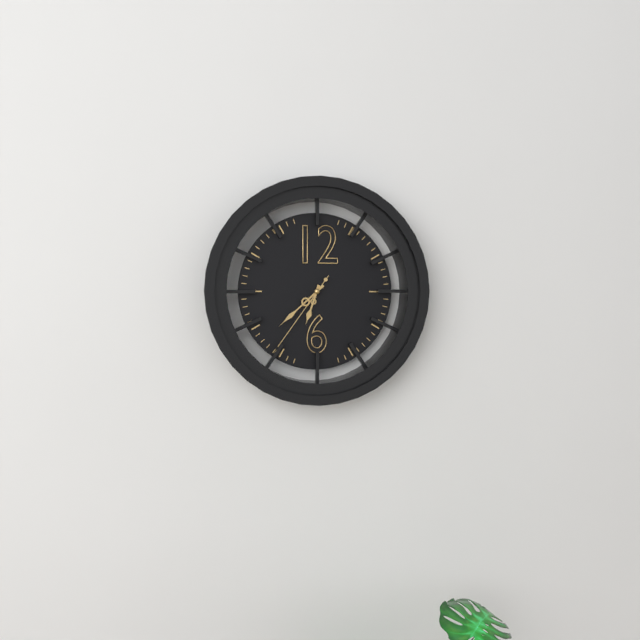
6h38m36s
